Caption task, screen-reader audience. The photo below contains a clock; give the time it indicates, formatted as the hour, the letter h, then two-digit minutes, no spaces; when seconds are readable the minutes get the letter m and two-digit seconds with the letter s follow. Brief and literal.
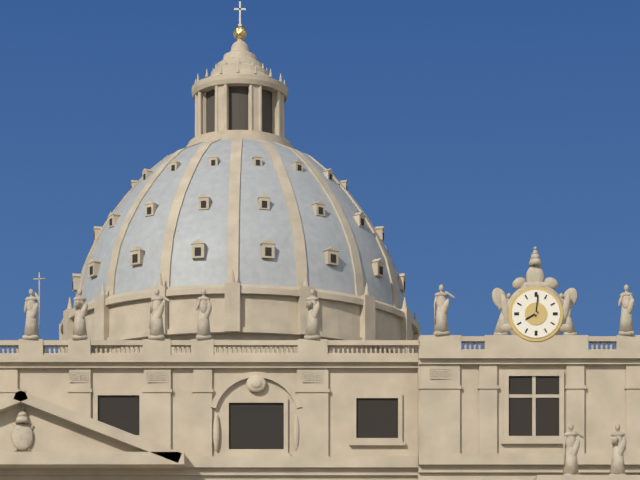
8h01
